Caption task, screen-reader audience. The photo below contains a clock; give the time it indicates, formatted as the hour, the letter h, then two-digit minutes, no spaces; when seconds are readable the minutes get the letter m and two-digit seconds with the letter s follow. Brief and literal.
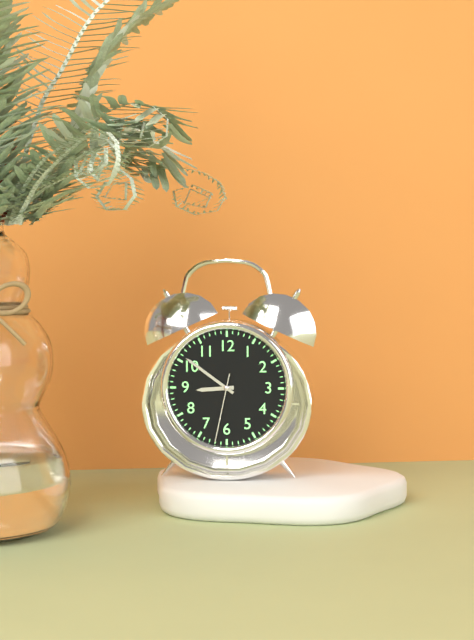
8h51m32s
